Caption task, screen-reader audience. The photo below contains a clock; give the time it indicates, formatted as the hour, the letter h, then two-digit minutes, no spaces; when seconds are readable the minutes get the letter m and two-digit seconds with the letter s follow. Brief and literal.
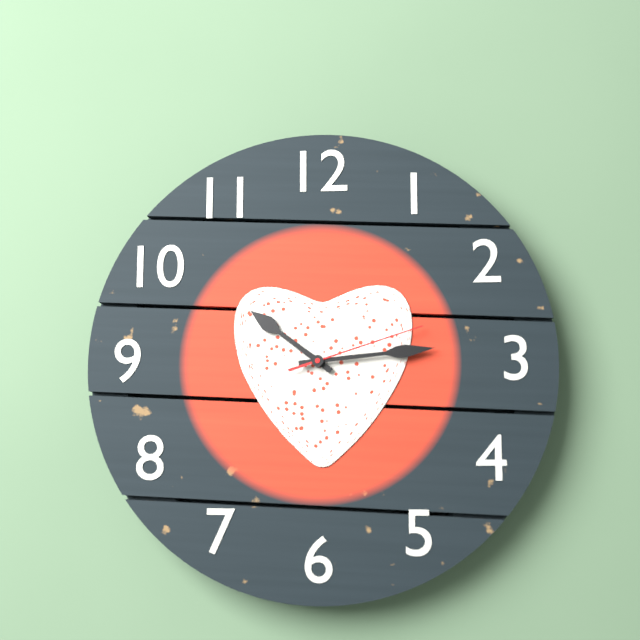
10h14m12s
